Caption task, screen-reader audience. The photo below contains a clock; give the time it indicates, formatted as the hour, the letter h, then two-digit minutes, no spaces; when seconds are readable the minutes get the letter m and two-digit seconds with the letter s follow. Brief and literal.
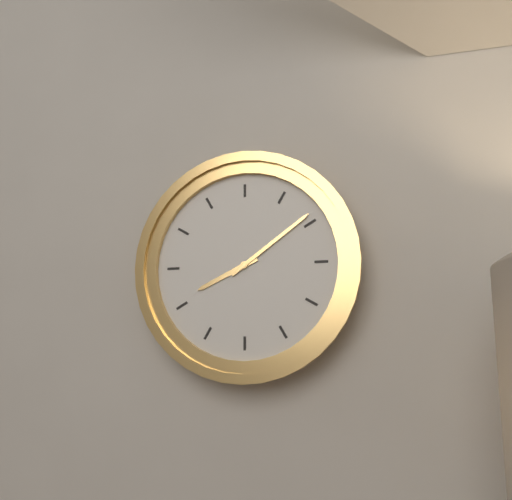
8h09
